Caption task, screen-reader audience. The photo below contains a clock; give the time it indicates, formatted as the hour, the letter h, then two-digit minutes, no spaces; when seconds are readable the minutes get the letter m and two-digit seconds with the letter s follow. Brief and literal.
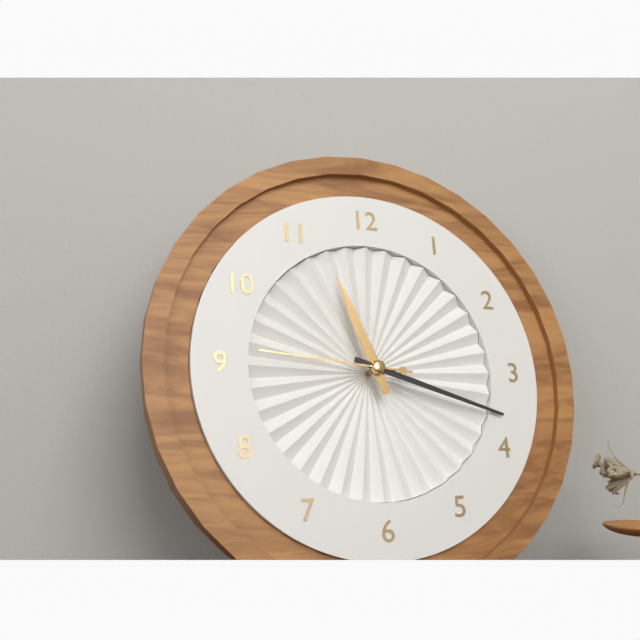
11h18m46s
